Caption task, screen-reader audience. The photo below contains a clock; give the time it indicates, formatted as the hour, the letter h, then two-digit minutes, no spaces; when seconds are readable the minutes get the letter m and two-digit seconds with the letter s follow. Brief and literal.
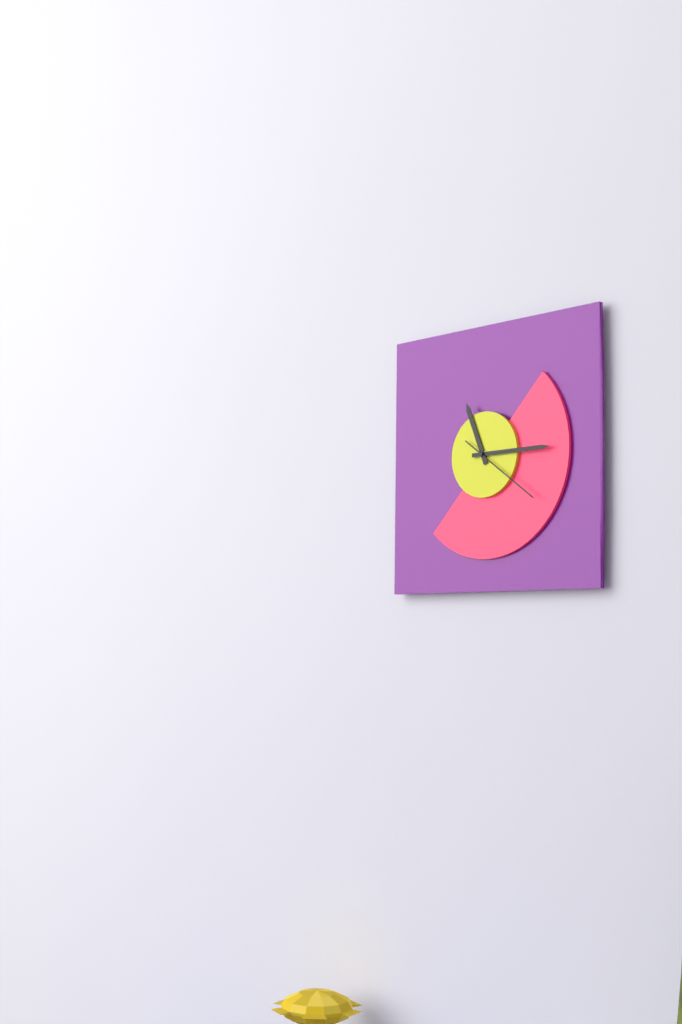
11h15m21s
